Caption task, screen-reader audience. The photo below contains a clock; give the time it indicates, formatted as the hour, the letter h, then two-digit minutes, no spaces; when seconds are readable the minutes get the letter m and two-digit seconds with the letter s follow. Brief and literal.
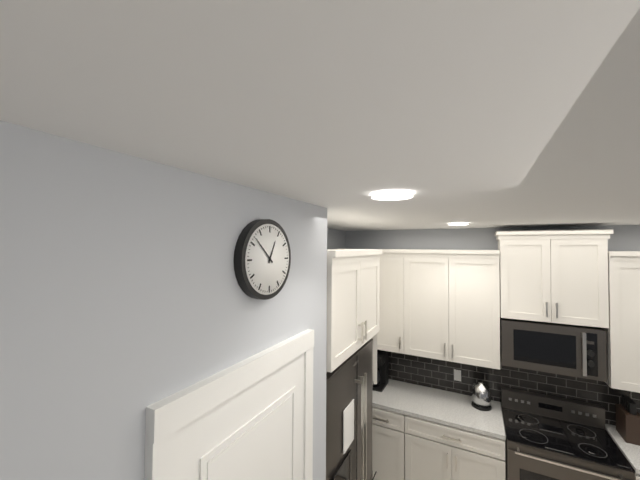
12h52
